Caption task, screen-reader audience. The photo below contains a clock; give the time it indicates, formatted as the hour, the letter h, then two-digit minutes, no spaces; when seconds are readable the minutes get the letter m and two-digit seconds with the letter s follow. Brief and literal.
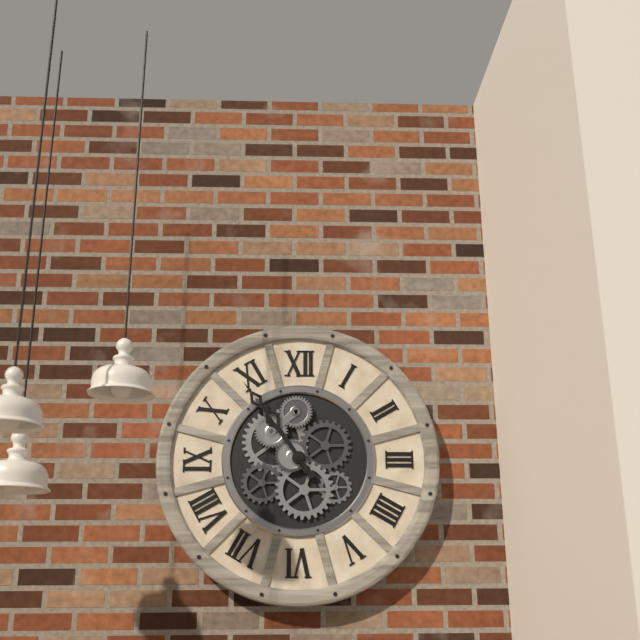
10h54
